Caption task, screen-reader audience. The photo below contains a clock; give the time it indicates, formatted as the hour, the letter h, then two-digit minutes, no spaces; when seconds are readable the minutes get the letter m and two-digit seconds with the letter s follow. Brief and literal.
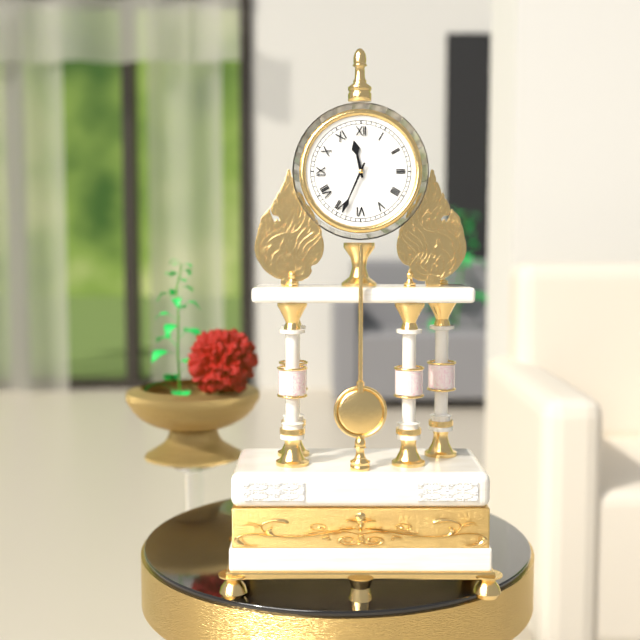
11h34
